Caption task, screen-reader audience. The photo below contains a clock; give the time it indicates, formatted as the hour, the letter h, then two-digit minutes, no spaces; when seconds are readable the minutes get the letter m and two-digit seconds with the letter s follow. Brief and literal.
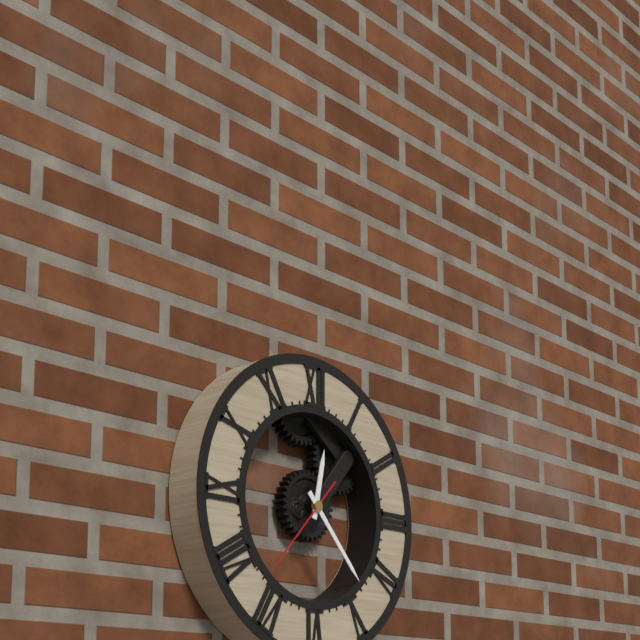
12h23m37s
